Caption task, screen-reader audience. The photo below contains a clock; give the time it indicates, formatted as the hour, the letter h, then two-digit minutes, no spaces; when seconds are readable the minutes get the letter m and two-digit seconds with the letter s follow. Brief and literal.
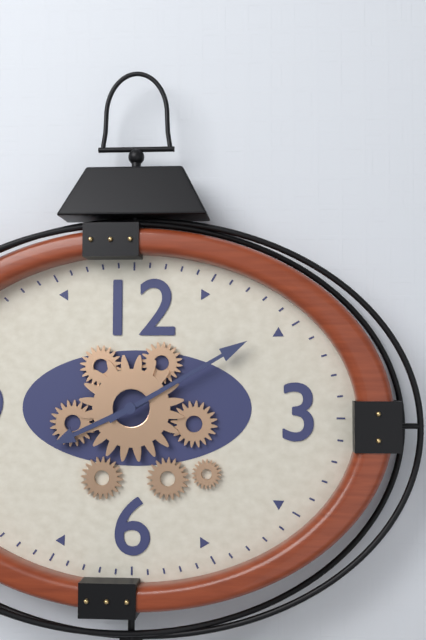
8h10
